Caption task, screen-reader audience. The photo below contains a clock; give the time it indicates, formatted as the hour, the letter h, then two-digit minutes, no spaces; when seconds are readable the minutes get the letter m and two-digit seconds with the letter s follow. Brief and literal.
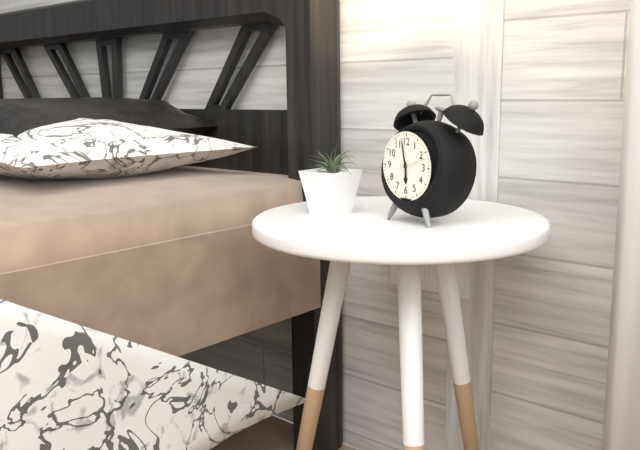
5h58
